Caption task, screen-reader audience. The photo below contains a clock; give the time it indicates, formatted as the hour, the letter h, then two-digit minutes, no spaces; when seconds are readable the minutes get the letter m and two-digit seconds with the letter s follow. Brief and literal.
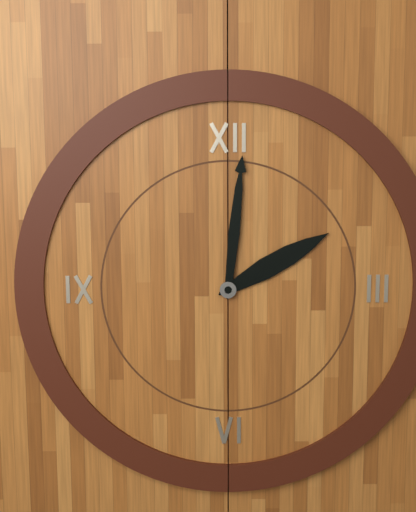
2h01
